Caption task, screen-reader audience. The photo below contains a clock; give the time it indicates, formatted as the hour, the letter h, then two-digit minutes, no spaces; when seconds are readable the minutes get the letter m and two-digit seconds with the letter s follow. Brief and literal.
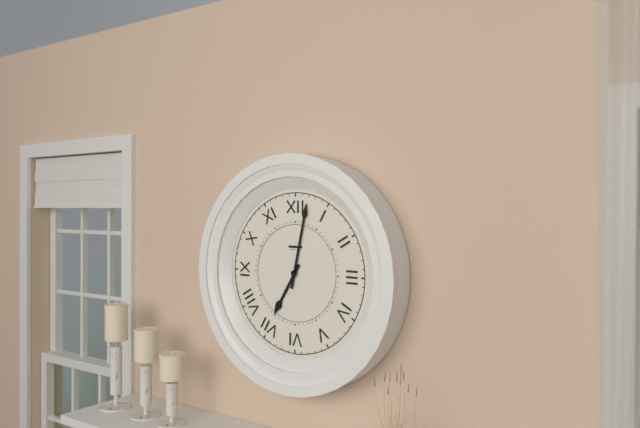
7h02
